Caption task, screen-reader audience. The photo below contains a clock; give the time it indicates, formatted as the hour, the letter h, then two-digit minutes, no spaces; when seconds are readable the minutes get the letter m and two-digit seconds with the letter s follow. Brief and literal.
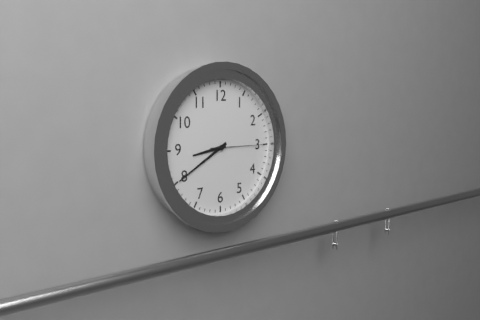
8h40m15s
